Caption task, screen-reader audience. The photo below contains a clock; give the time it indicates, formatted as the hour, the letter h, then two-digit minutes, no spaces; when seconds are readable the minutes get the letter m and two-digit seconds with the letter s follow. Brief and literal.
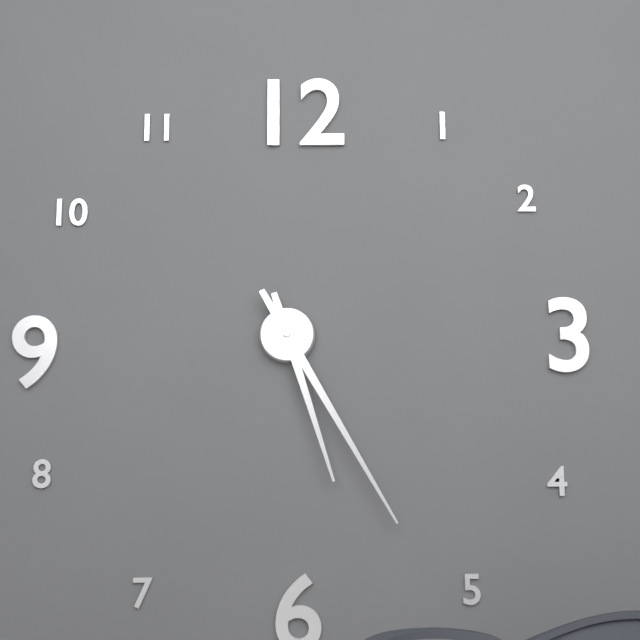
5h25
